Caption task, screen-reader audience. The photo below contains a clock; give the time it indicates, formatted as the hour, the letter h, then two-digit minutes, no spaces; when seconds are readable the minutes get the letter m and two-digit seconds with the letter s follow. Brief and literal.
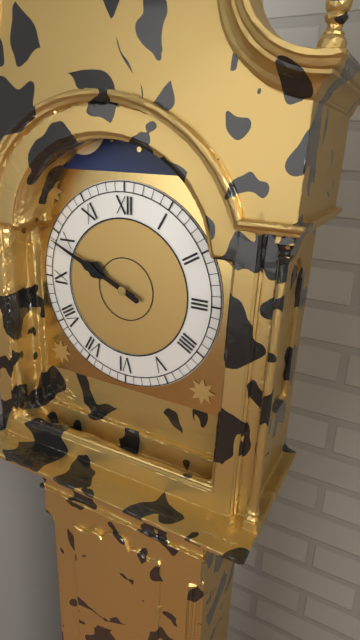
9h49
